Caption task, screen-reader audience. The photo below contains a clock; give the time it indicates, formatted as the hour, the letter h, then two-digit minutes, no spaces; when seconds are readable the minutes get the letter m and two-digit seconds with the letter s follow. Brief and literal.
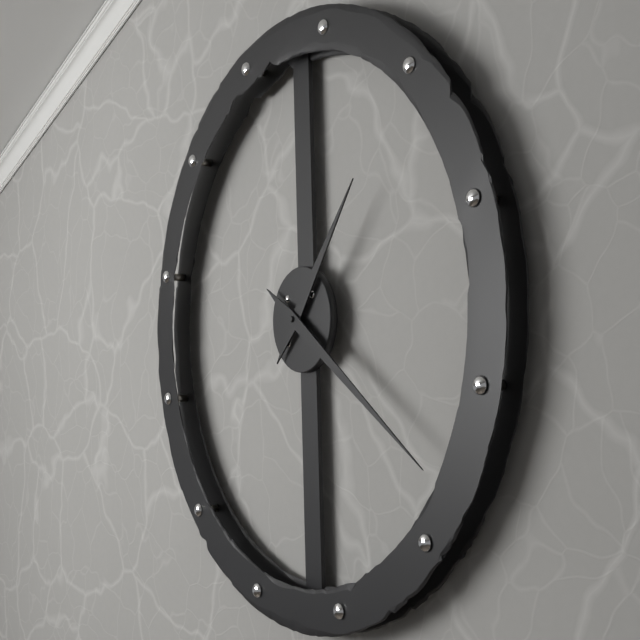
1h21
